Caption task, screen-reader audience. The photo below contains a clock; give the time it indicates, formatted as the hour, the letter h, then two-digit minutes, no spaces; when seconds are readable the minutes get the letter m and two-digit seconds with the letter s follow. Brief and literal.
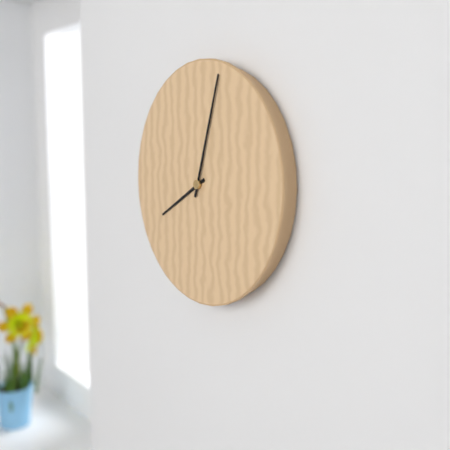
8h03
